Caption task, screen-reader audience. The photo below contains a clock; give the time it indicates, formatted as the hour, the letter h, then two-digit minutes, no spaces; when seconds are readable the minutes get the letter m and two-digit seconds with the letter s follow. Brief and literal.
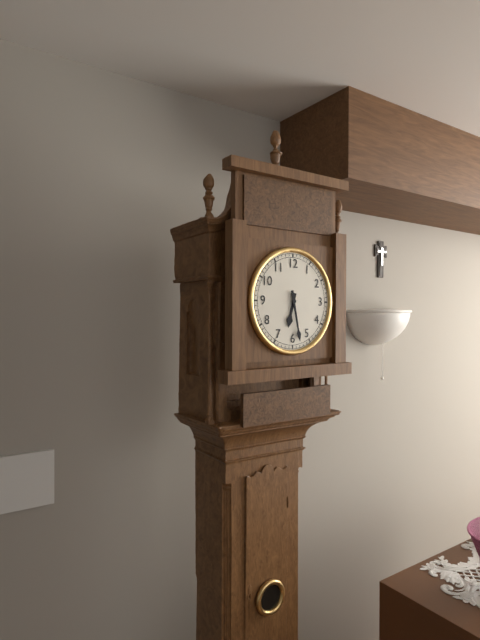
6h28
